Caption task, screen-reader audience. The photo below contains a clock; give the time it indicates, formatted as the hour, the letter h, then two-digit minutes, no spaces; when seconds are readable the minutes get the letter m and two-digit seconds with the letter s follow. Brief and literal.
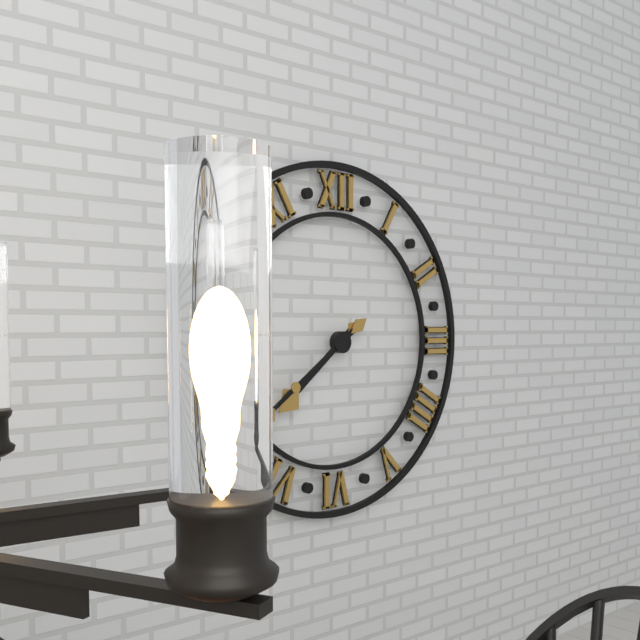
7h39
